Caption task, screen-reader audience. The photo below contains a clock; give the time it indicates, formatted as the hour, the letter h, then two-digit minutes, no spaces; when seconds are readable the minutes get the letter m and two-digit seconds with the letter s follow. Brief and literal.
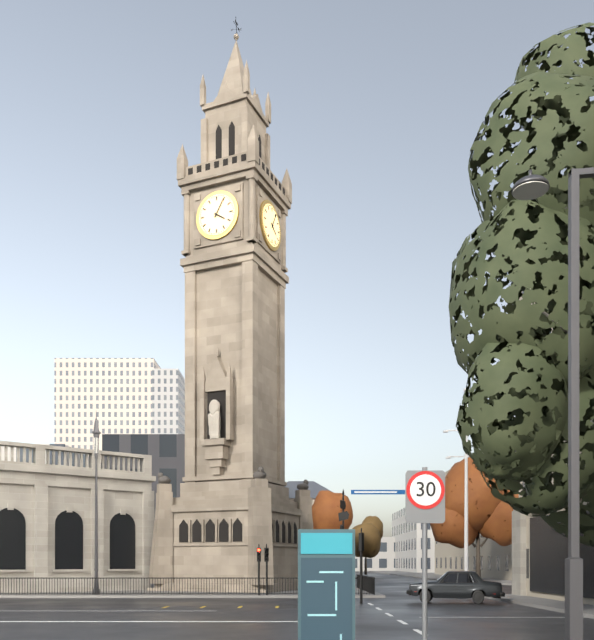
4h05
